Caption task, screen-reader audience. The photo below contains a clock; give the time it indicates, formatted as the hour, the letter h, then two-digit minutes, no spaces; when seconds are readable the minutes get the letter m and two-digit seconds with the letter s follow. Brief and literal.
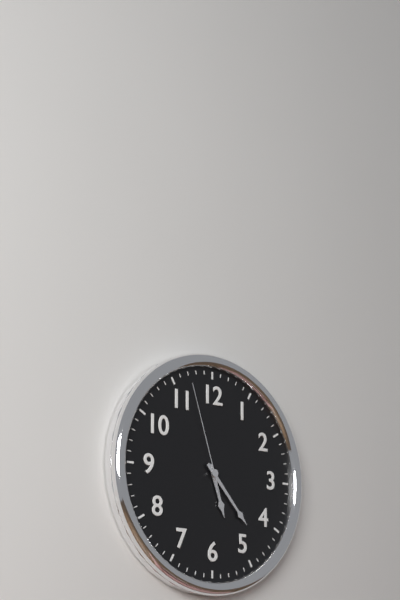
5h23m57s
